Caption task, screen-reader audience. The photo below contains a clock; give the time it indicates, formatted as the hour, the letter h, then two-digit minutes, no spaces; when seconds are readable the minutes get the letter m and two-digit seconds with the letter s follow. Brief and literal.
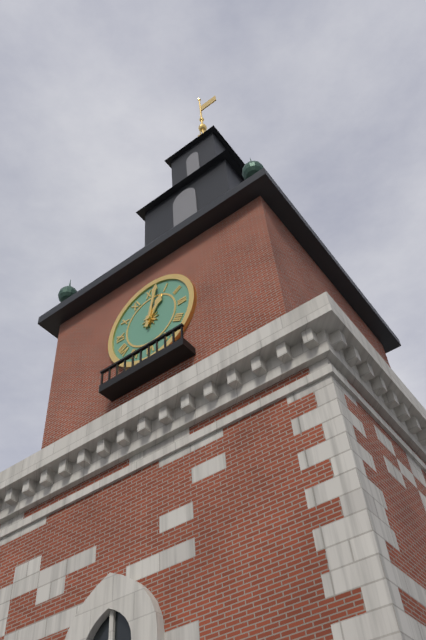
1h02
